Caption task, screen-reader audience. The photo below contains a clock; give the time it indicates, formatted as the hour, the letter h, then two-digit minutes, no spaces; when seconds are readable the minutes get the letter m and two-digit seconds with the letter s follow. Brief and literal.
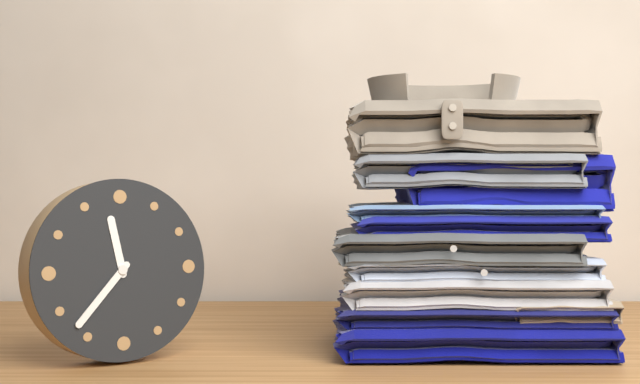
11h37
